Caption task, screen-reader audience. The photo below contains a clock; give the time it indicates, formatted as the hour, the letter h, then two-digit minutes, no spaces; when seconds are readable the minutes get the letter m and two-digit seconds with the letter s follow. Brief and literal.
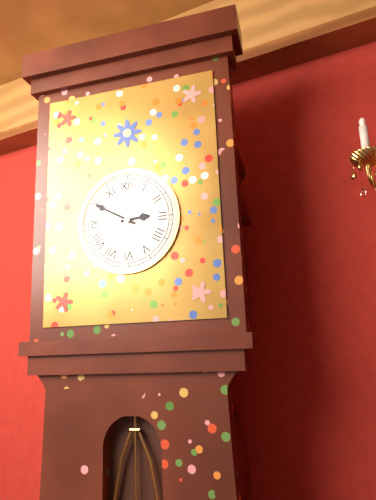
2h50
